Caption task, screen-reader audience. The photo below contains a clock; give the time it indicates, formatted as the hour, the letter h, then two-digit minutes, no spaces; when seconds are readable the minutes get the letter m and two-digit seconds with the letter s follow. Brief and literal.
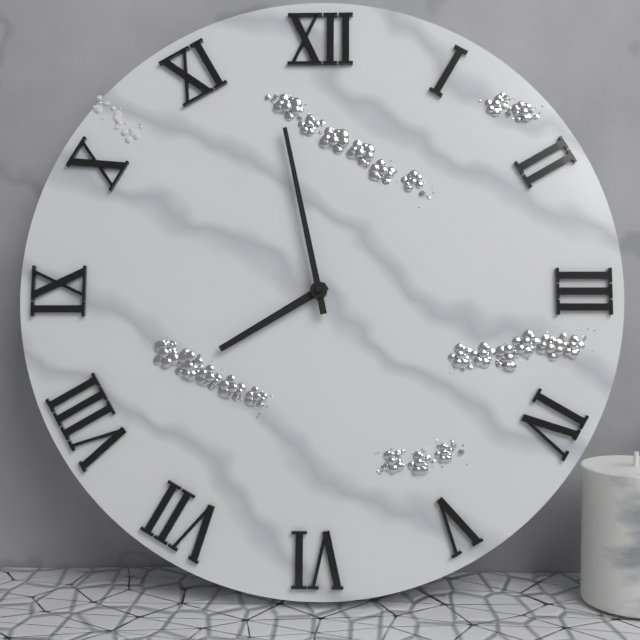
7h58
